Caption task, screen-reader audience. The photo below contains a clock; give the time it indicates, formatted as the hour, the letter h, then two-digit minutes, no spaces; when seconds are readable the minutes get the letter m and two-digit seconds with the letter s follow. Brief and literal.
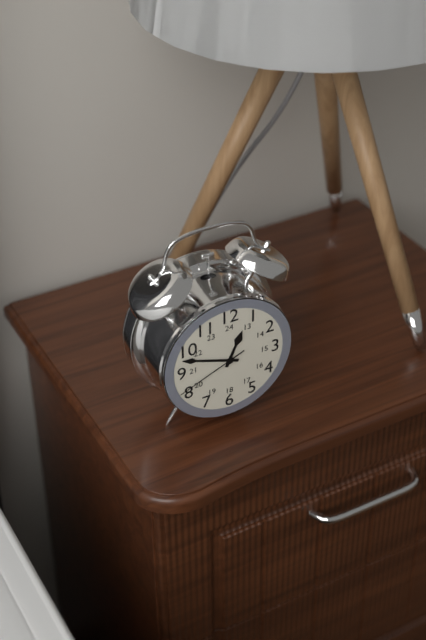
12h48m41s
